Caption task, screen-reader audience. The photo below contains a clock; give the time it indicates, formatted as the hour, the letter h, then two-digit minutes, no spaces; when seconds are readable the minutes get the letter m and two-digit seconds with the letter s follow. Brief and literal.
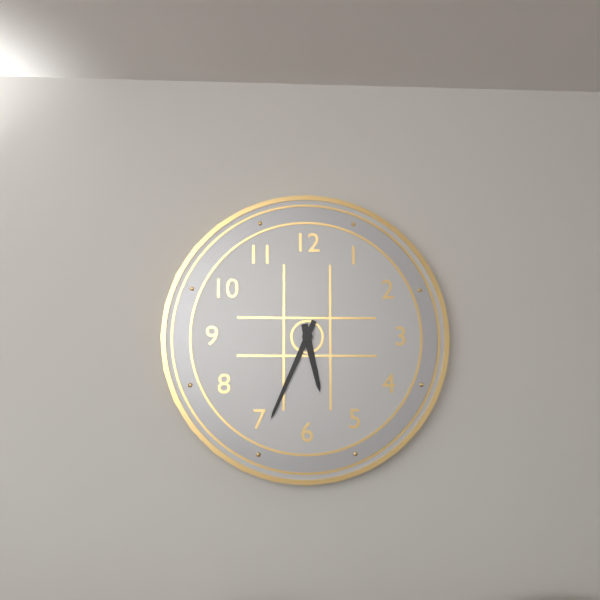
5h34
